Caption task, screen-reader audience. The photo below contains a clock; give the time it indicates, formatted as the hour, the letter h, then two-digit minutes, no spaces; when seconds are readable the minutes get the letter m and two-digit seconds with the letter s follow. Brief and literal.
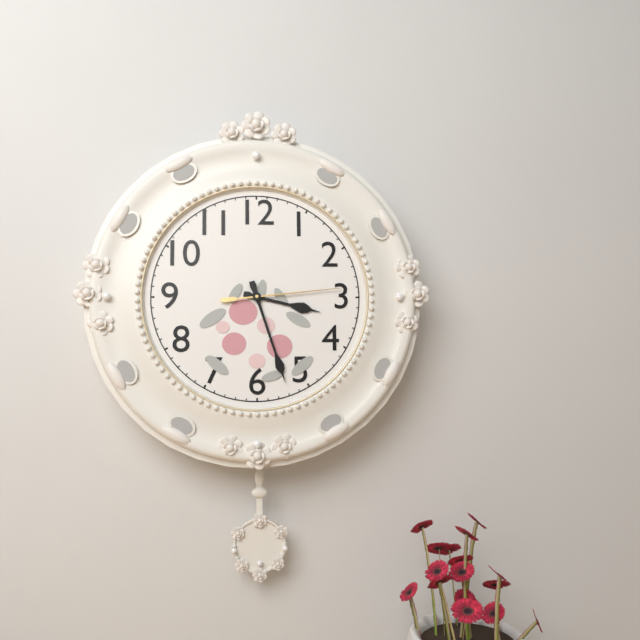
3h27m14s
